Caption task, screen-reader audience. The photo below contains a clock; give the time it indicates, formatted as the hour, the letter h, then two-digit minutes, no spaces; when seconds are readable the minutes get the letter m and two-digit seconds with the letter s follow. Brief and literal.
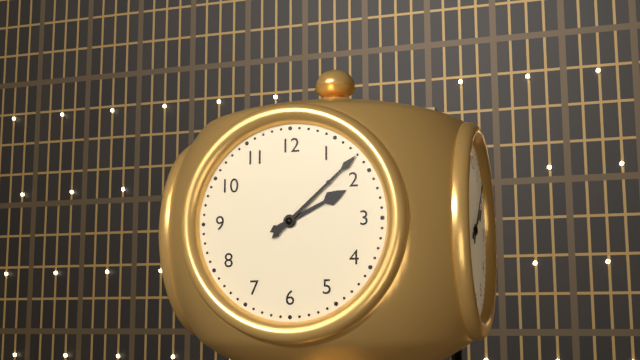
2h08
